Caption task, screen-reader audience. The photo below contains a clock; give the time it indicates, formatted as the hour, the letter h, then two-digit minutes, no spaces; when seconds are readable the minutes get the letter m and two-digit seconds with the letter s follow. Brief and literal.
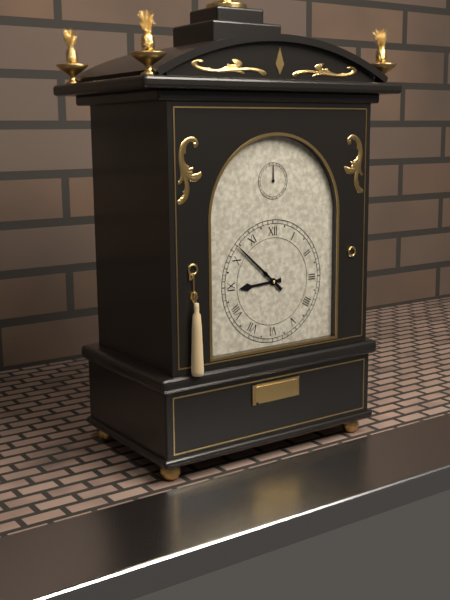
8h52
